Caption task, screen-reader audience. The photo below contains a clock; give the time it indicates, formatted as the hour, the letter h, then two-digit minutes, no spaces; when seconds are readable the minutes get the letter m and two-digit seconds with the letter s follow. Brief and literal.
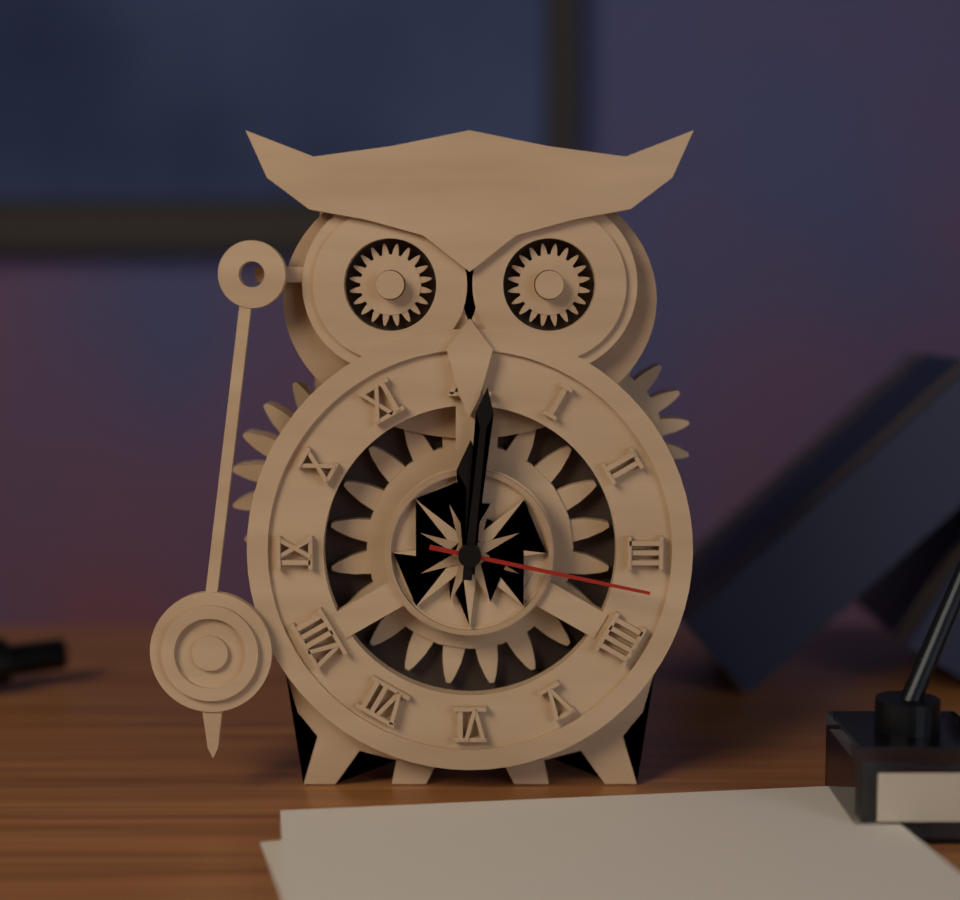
12h01m17s
